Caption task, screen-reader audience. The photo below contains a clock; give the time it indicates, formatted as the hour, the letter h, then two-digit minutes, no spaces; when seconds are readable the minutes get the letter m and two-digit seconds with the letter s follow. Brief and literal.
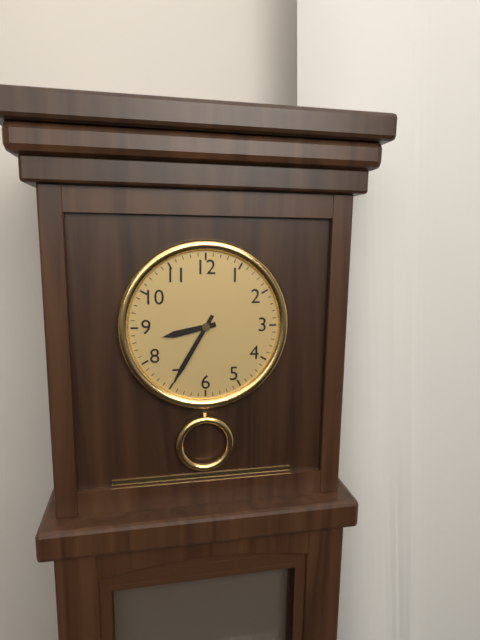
8h35
